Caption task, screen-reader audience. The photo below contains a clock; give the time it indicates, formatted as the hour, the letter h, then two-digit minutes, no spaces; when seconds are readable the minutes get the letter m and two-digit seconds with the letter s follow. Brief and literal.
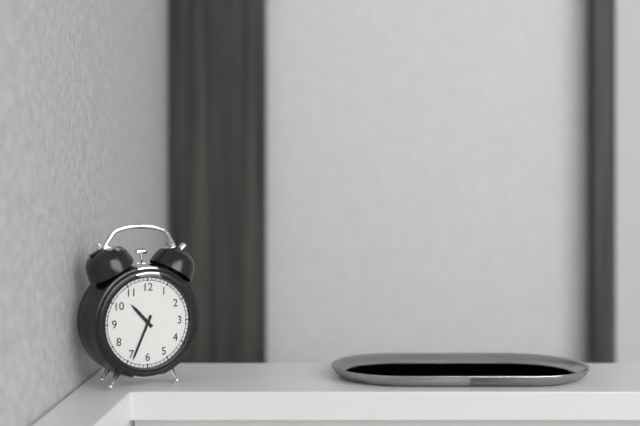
10h34
